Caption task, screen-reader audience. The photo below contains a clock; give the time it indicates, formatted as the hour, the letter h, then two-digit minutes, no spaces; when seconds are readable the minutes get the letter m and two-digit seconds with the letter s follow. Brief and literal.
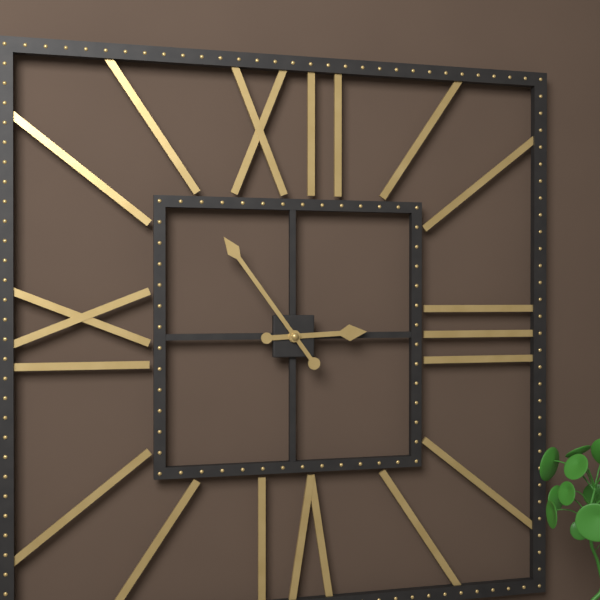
2h54
